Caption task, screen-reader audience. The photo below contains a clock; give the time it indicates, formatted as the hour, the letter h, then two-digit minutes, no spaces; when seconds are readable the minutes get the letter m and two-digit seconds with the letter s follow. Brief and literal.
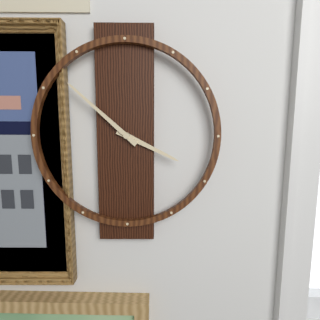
3h52
